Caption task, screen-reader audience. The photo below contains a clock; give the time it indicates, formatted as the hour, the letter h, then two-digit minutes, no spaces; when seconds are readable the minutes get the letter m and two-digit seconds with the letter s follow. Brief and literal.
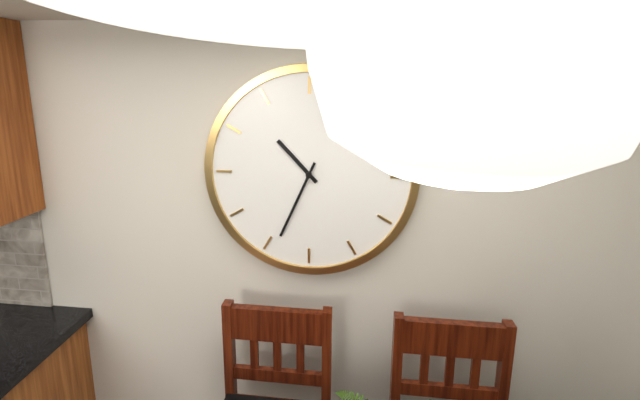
10h34
